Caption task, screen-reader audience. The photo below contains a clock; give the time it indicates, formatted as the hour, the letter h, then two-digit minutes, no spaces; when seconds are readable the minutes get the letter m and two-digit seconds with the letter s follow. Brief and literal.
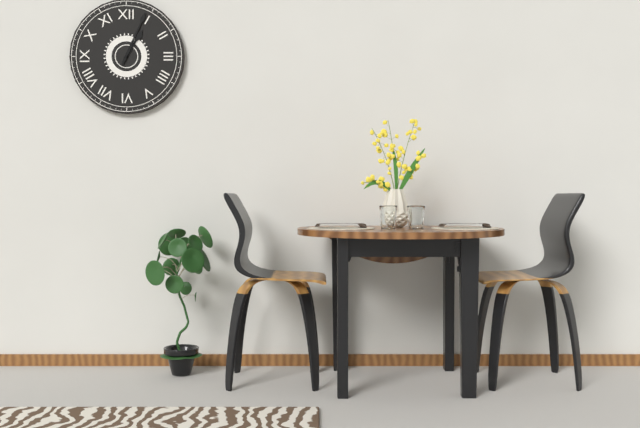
1h04
